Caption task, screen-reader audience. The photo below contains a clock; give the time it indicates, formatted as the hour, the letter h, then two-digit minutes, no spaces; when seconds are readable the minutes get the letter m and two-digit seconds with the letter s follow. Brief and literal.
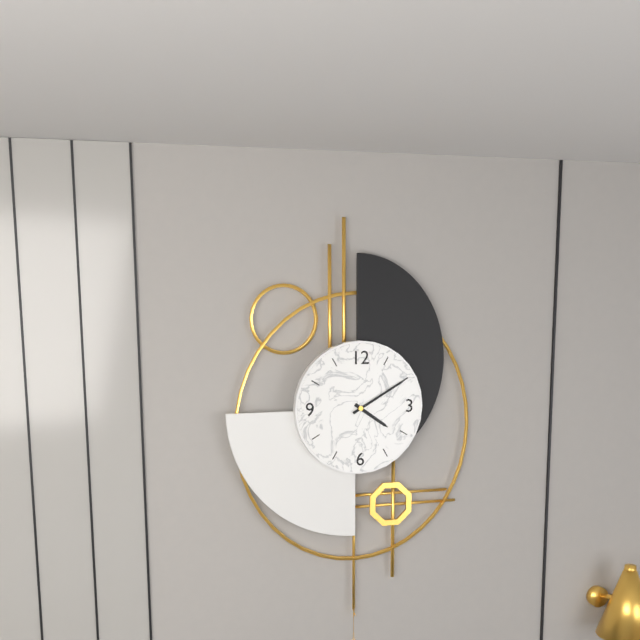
4h10
